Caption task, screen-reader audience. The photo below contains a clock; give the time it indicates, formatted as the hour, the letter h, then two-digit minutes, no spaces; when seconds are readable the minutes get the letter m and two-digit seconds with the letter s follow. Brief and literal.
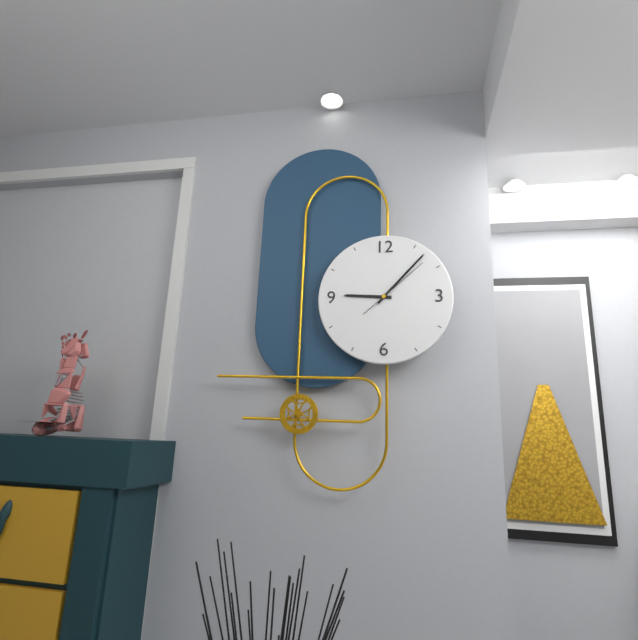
9h07m08s
